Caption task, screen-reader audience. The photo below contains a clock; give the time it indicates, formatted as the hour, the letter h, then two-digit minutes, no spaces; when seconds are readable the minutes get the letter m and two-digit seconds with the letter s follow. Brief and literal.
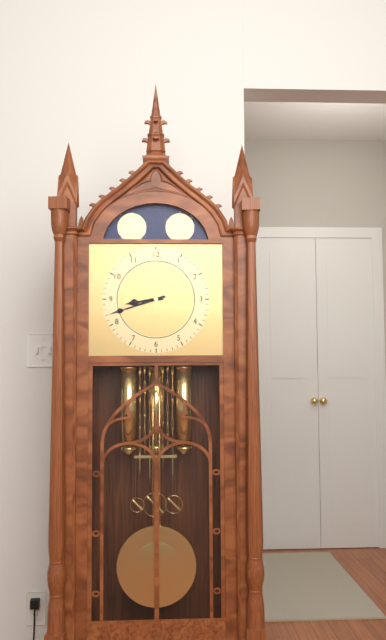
8h42
